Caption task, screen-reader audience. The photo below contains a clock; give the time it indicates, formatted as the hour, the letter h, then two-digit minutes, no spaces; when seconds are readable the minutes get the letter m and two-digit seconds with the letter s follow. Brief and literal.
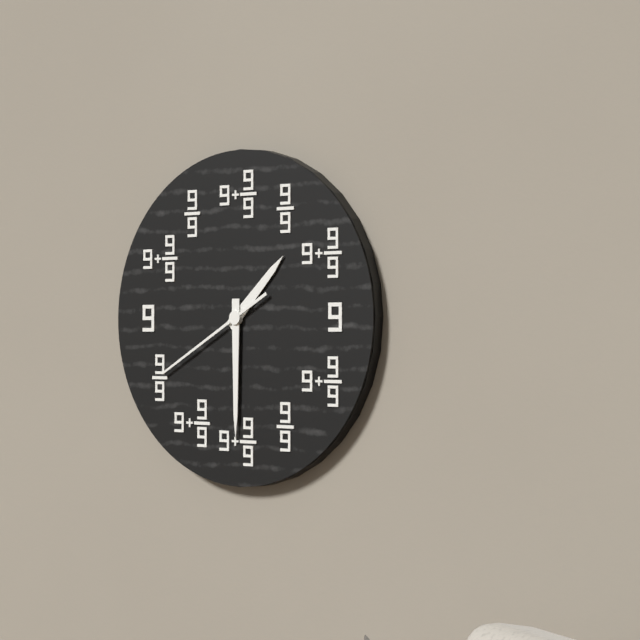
1h30m40s
